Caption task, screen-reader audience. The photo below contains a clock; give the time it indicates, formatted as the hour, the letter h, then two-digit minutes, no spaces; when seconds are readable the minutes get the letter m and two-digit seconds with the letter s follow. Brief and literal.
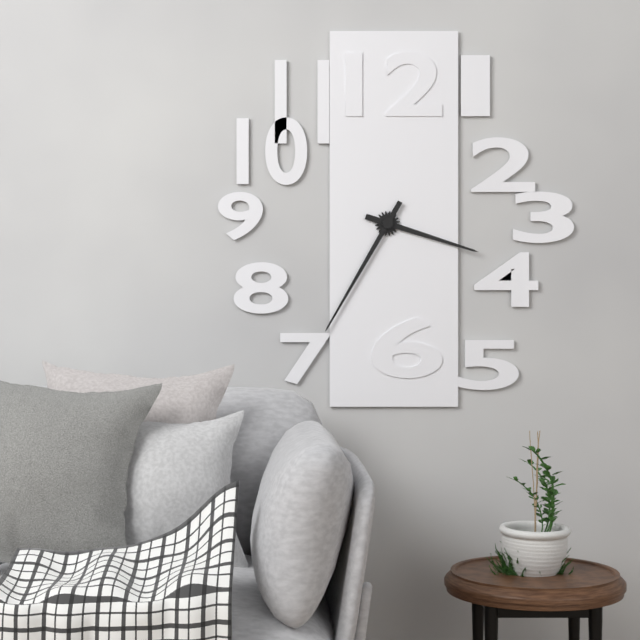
3h35
